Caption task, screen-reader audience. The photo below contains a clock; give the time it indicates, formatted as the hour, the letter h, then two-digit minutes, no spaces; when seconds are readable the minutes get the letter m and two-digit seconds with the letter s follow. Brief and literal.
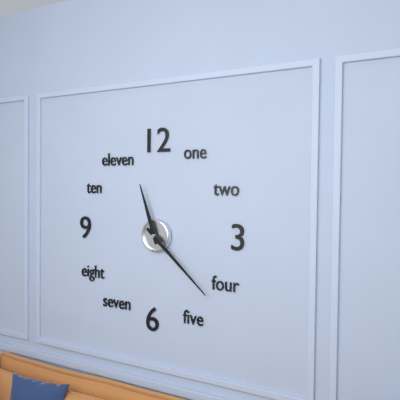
11h22
